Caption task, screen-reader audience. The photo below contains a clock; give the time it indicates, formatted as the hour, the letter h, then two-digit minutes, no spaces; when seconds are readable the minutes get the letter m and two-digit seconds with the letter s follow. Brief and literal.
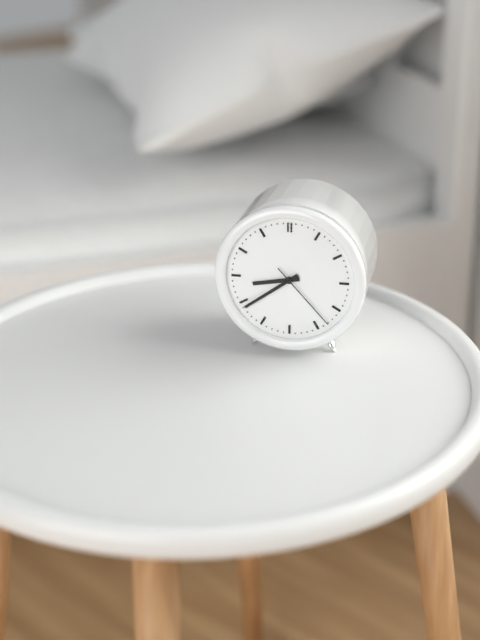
8h39m23s
